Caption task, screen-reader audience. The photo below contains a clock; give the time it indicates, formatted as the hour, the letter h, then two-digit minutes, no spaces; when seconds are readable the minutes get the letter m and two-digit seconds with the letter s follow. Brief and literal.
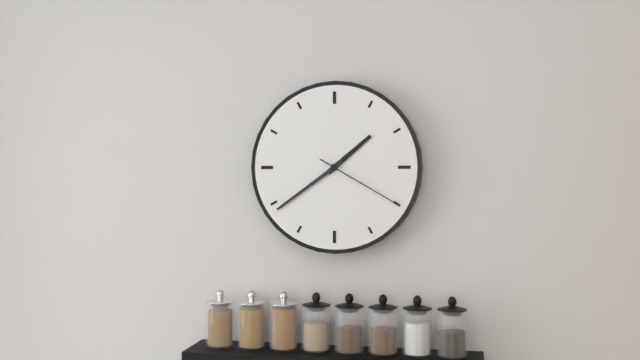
1h39m20s
